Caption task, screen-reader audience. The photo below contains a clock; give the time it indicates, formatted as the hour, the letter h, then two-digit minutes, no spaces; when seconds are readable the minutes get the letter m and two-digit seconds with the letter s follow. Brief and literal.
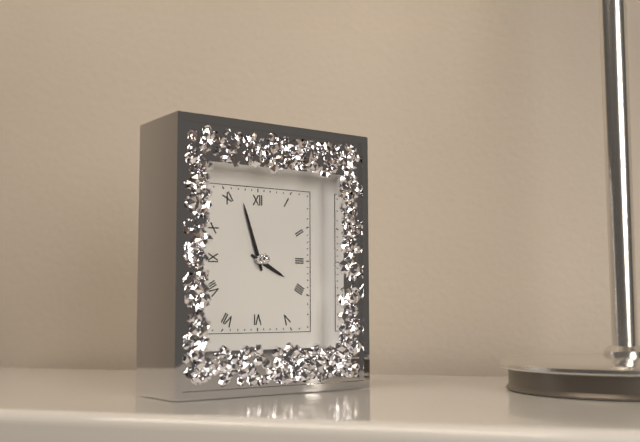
3h57
